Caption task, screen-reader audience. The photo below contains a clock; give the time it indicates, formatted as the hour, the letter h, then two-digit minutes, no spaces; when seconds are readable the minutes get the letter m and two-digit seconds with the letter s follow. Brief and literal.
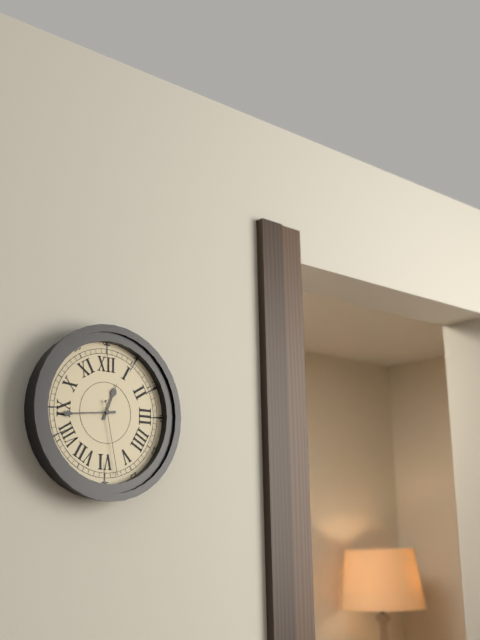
12h44m28s
